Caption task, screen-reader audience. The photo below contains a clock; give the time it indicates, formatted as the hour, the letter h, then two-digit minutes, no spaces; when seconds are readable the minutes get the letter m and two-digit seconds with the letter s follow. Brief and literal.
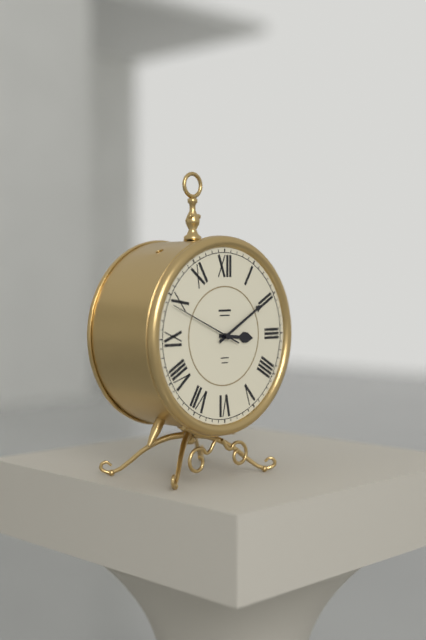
3h10m49s
